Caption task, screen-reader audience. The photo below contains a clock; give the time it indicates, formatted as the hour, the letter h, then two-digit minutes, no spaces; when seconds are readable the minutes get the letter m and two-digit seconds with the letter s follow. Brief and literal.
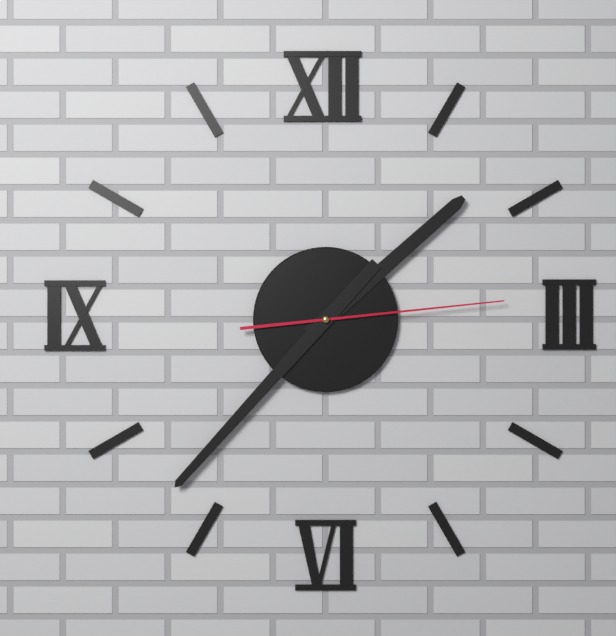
1h37m14s
